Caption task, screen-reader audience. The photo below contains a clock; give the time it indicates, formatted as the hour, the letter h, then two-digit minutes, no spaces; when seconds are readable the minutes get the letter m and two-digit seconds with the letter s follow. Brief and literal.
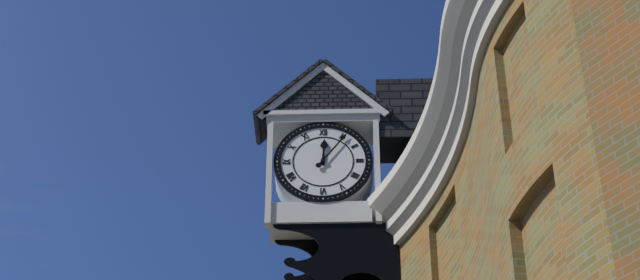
12h06
